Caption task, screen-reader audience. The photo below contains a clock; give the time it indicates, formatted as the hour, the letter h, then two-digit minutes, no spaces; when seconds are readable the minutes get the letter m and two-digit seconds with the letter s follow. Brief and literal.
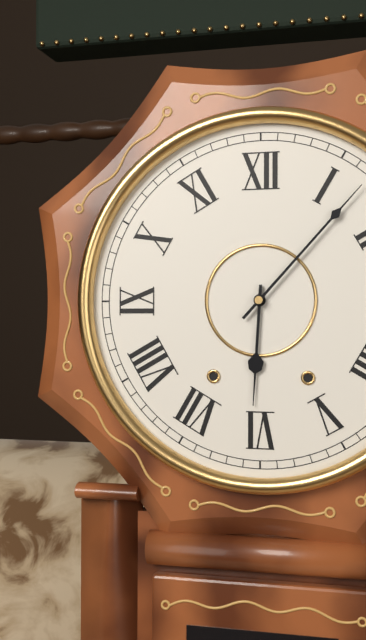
6h07
